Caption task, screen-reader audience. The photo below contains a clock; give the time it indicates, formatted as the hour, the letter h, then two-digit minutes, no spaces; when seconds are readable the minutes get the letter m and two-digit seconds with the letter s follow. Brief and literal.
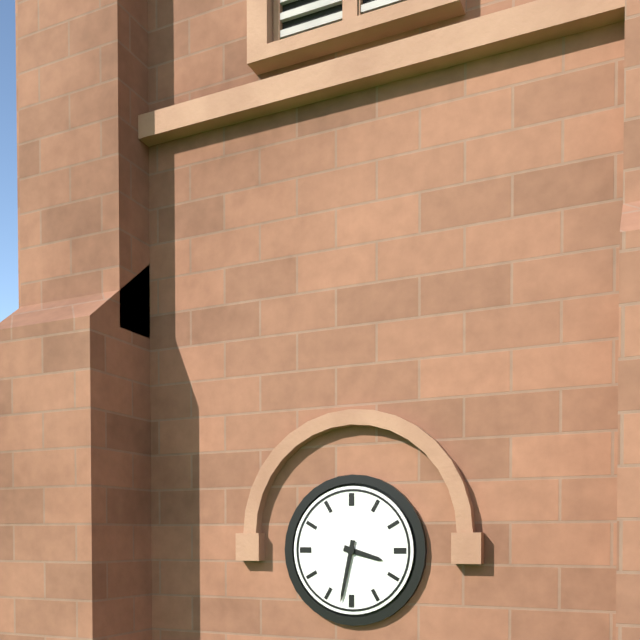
3h32
